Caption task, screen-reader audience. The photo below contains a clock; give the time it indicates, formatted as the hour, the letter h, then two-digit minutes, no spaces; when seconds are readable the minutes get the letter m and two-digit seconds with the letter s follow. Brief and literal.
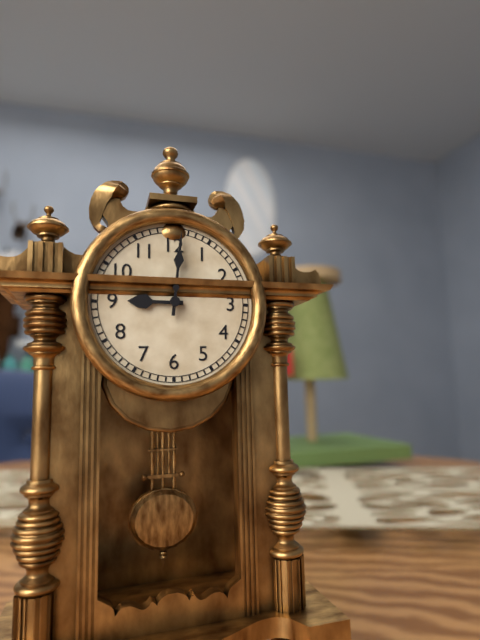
9h01
